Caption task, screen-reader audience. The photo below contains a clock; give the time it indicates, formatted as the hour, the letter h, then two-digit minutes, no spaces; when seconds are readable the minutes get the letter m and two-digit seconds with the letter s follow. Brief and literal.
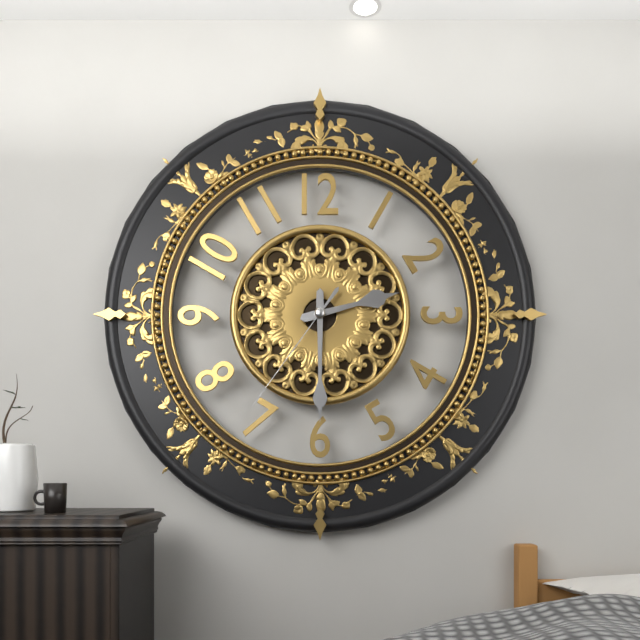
2h30m36s
